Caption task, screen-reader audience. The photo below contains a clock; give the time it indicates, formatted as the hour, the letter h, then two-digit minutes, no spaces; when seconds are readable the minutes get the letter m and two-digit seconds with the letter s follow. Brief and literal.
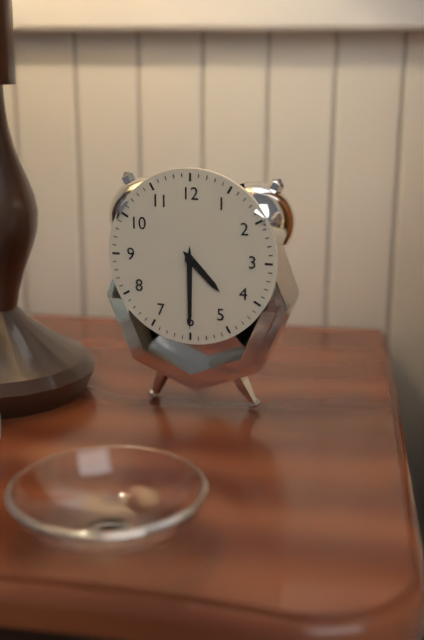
4h30
